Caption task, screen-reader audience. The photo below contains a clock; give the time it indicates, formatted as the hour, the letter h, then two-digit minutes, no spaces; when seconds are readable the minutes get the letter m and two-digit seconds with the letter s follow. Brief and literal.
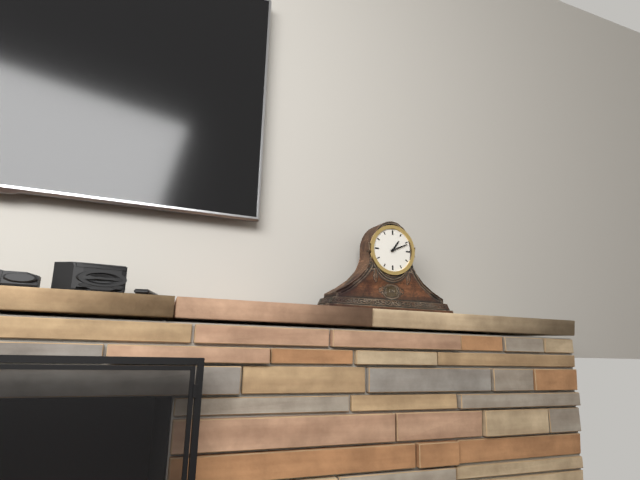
1h11
